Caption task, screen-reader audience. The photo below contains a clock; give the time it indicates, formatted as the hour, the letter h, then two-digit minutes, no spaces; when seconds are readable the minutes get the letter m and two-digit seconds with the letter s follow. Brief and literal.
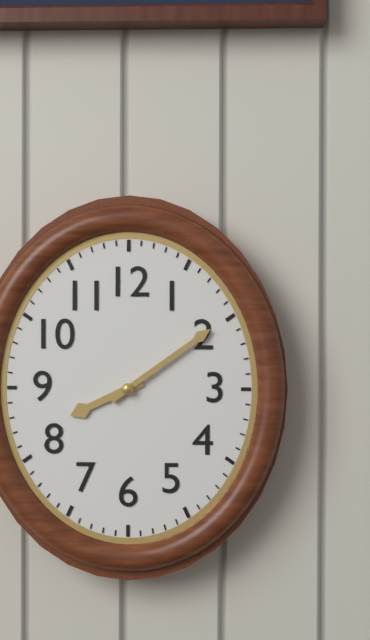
8h09
